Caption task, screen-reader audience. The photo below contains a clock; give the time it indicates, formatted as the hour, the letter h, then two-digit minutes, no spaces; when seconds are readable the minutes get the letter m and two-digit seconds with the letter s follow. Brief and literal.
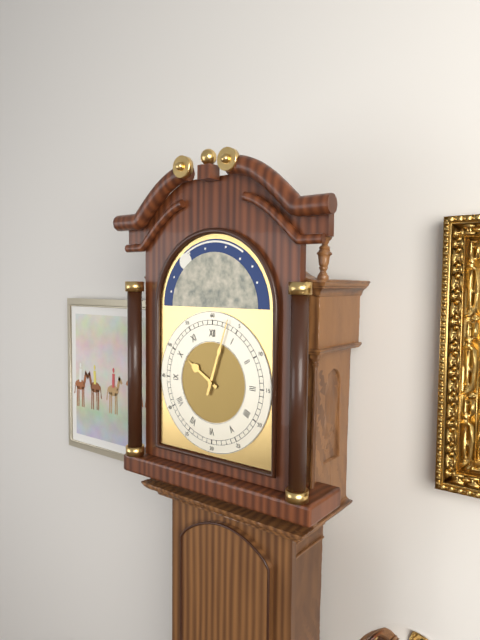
10h03
